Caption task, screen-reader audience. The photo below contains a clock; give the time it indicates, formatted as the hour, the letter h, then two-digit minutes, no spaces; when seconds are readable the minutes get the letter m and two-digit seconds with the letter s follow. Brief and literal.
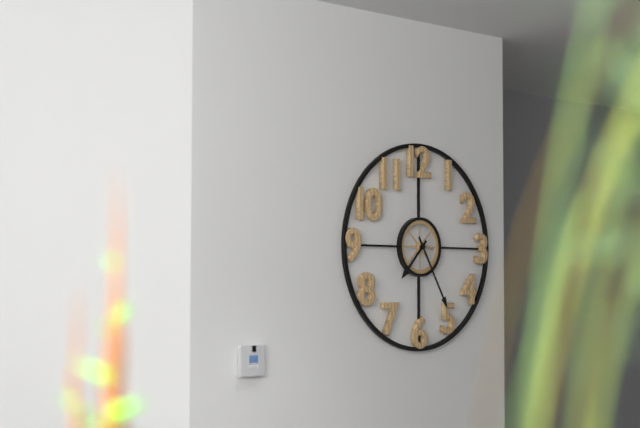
7h25
